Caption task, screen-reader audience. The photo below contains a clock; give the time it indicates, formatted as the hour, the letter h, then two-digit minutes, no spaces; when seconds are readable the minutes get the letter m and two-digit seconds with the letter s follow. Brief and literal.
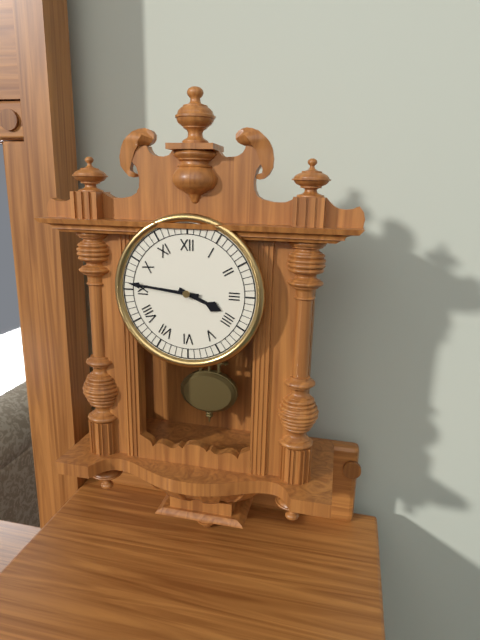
3h46
